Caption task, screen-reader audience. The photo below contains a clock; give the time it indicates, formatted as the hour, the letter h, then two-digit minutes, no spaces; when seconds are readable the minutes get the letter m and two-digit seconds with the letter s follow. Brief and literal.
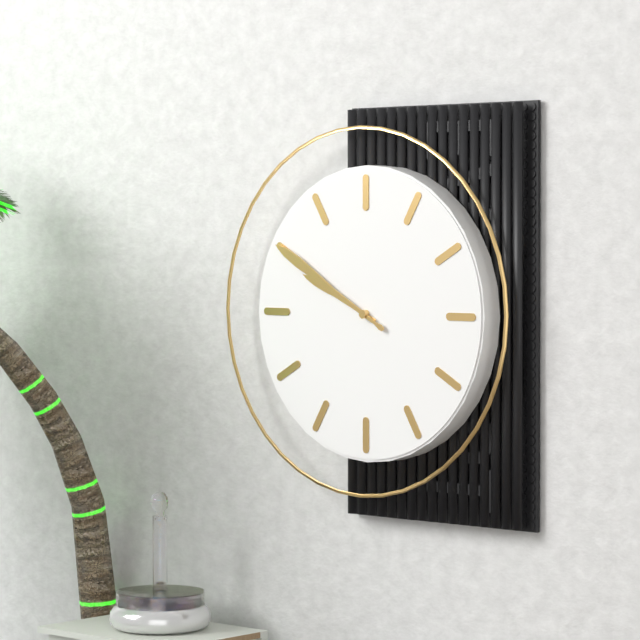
9h50
